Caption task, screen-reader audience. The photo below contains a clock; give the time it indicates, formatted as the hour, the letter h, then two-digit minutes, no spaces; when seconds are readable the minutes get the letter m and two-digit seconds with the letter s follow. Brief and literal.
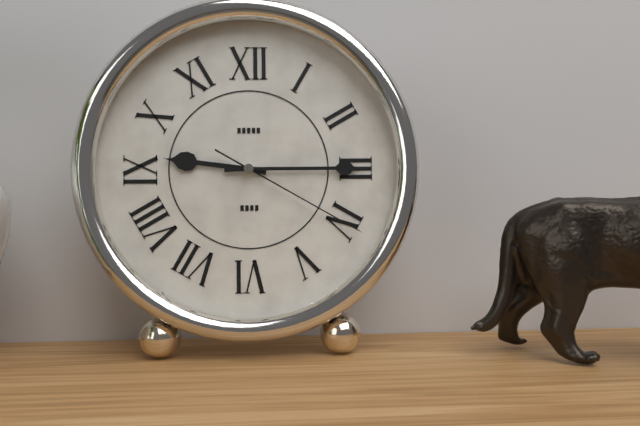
9h15m20s
